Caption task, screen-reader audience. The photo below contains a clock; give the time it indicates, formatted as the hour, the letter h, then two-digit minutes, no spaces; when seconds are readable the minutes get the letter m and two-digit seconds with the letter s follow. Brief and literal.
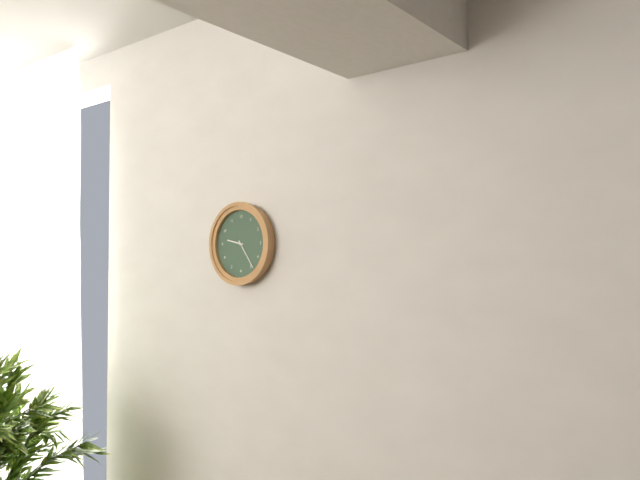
9h24
